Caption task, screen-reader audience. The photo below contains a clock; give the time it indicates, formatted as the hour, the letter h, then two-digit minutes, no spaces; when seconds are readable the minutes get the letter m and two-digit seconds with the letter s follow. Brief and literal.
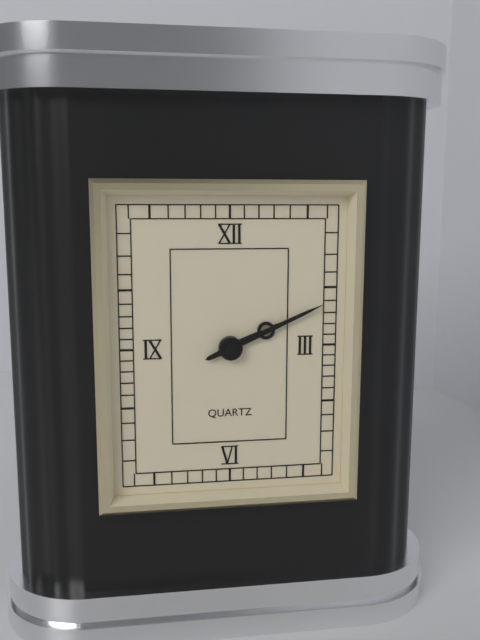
2h11
